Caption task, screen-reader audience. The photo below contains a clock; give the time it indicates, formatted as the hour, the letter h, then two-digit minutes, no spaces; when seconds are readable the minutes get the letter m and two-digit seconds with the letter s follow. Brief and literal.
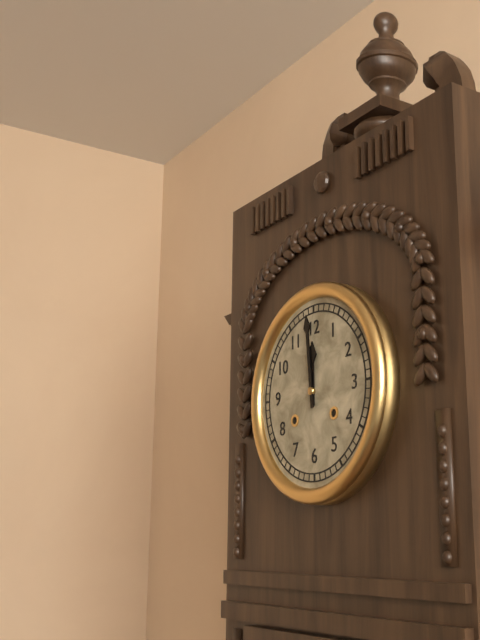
11h59
